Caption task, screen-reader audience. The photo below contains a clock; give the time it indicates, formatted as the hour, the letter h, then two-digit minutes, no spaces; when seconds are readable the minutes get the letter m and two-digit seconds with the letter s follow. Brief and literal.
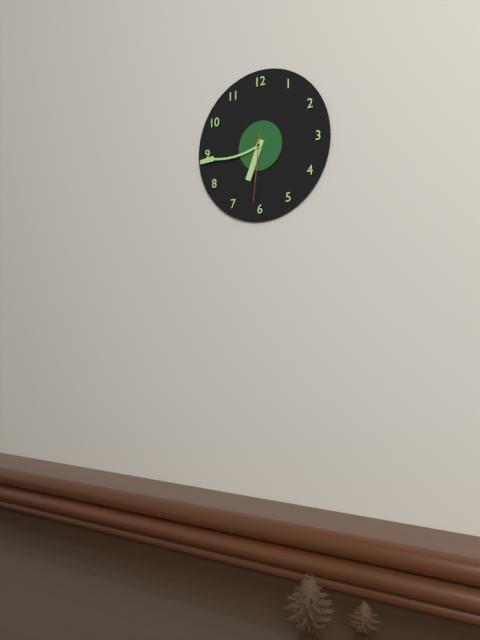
6h44m31s
